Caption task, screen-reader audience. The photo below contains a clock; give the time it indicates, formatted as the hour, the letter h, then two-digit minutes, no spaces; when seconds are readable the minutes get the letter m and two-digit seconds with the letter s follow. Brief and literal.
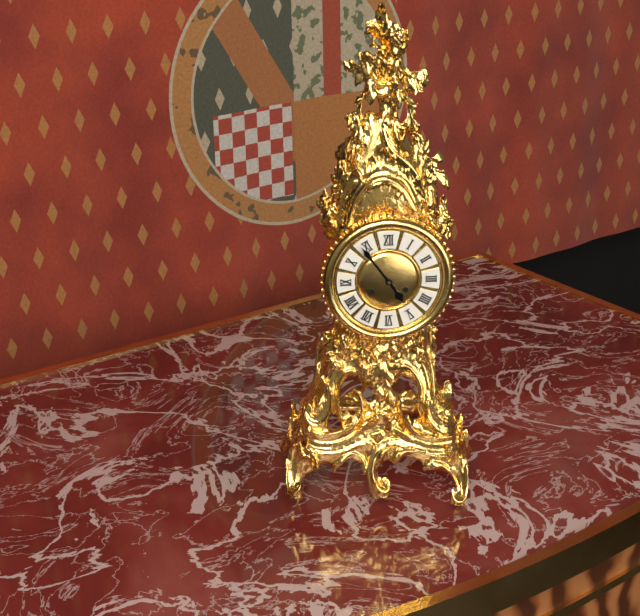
4h54
